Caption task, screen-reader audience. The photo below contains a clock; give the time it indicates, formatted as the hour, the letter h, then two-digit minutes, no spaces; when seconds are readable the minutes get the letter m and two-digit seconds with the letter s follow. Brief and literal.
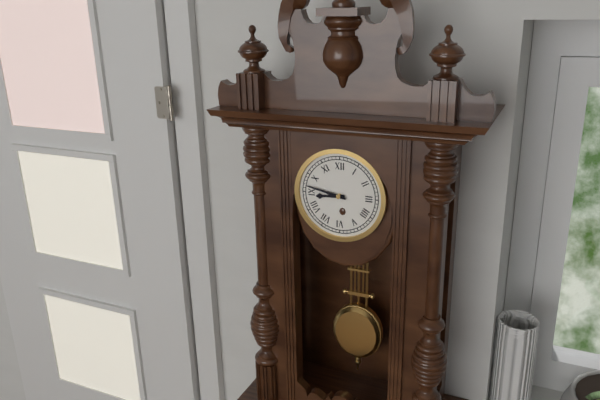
8h47
